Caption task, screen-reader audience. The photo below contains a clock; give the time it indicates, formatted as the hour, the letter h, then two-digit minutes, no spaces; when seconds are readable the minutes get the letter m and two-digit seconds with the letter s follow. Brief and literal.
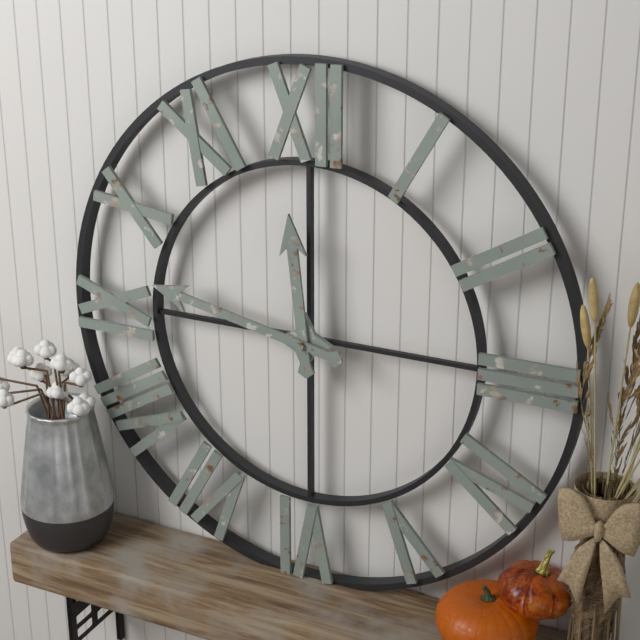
11h47
